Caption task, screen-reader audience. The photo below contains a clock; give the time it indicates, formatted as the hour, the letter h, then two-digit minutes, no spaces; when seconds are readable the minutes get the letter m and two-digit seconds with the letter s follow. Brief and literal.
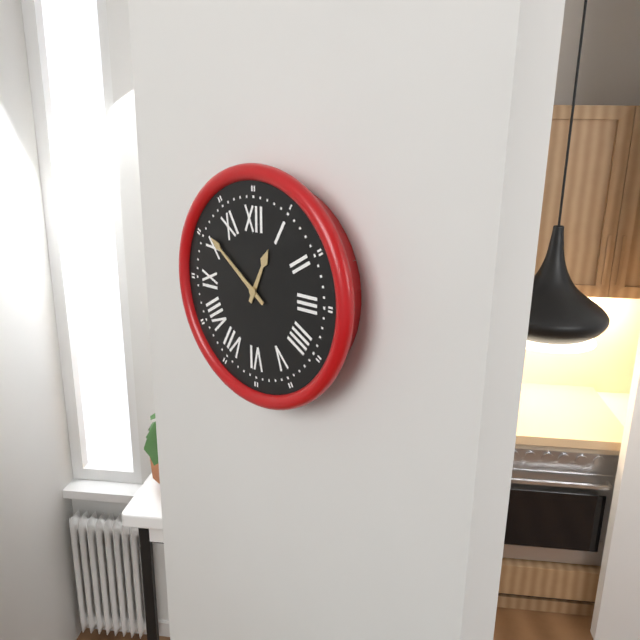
12h51
